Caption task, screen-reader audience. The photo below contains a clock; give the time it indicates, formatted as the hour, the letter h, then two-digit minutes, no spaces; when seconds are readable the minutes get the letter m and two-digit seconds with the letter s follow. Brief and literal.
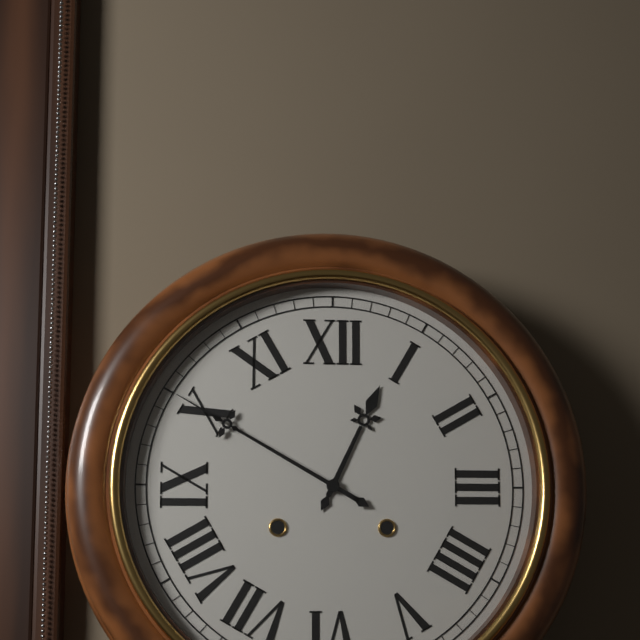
12h50
